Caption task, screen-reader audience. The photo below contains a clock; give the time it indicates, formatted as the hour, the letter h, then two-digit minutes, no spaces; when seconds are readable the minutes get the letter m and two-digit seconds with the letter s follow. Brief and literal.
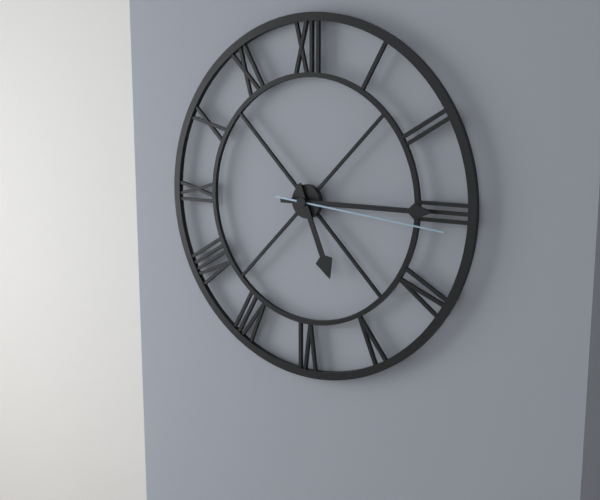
5h15m16s
